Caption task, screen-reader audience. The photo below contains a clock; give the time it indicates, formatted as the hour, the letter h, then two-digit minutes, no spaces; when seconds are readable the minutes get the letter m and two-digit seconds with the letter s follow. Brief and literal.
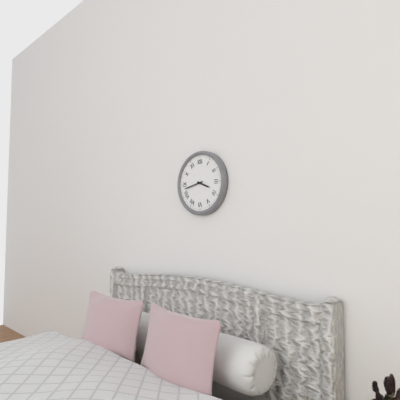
3h43
